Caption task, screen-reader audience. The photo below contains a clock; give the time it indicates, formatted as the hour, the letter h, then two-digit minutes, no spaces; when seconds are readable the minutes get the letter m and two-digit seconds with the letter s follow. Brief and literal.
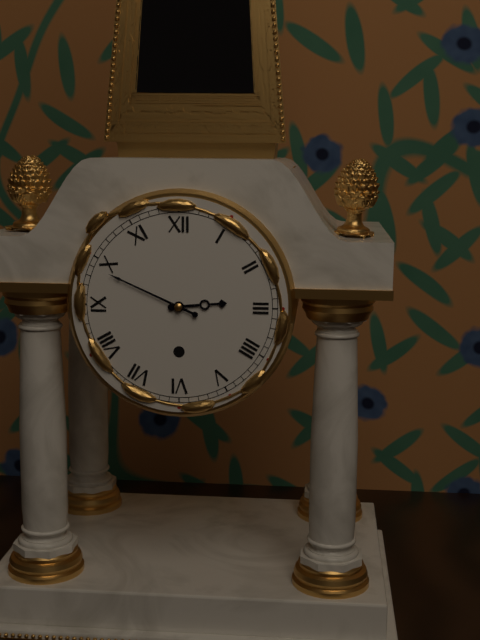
2h49
